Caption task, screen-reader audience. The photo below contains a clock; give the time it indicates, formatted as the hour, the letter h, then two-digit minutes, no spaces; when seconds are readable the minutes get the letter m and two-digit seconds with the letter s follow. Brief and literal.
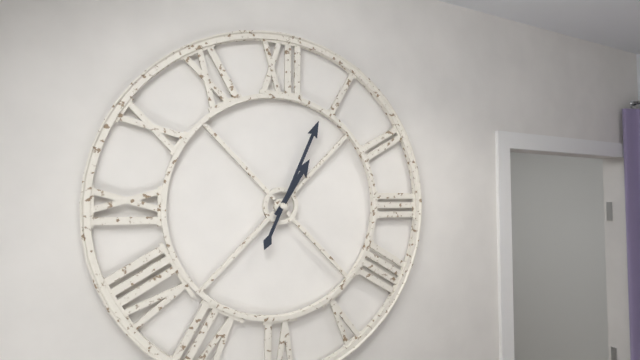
1h04
